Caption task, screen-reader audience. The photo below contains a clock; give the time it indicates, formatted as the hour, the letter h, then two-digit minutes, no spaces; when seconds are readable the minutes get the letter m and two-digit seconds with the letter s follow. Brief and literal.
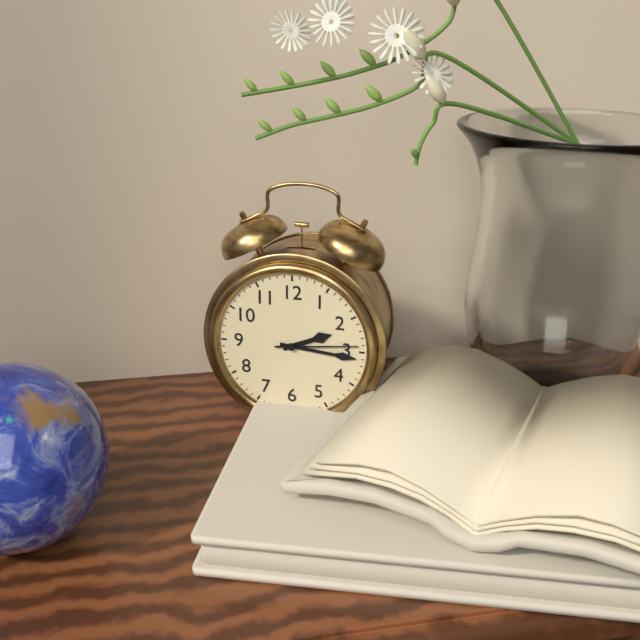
2h16m14s
